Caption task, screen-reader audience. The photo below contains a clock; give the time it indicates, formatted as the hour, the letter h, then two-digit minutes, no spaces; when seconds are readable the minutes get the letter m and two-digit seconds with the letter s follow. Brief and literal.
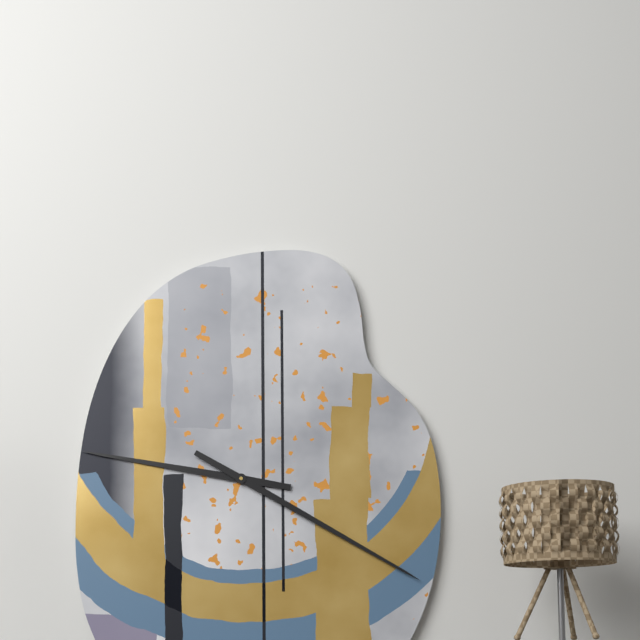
9h20
